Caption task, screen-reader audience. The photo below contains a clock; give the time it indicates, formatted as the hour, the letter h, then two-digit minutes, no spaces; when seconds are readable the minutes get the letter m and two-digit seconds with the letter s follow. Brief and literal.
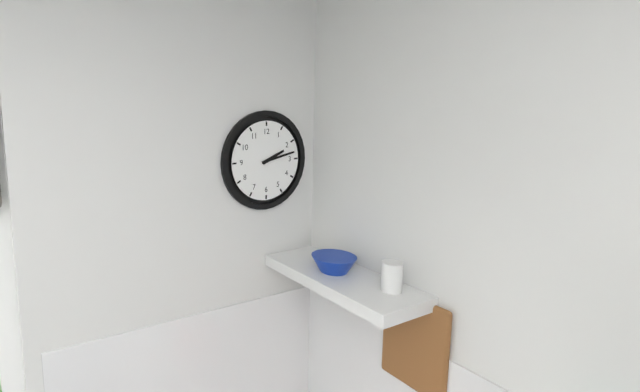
2h13
